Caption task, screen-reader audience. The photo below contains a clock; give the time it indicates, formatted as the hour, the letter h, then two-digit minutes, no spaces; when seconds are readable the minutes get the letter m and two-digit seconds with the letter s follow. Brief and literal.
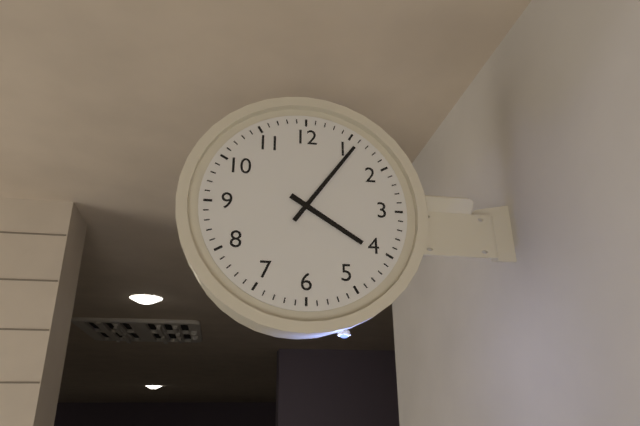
4h06
